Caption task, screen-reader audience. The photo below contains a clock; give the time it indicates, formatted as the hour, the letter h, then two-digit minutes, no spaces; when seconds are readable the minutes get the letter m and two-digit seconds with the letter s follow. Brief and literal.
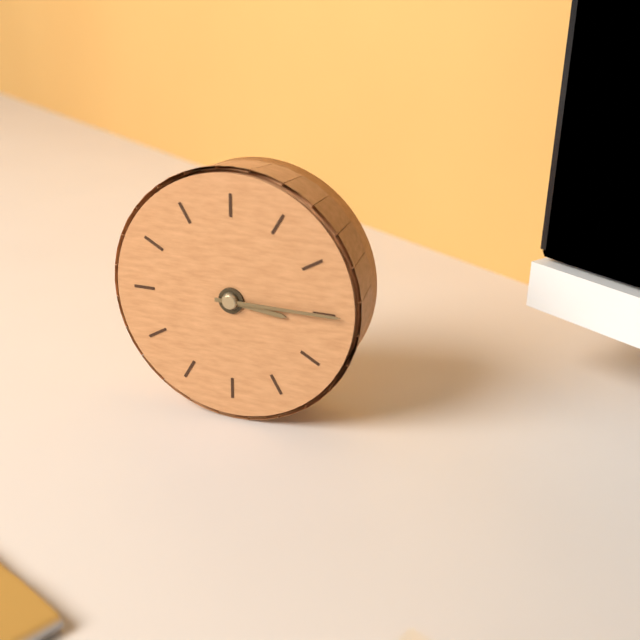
3h15
